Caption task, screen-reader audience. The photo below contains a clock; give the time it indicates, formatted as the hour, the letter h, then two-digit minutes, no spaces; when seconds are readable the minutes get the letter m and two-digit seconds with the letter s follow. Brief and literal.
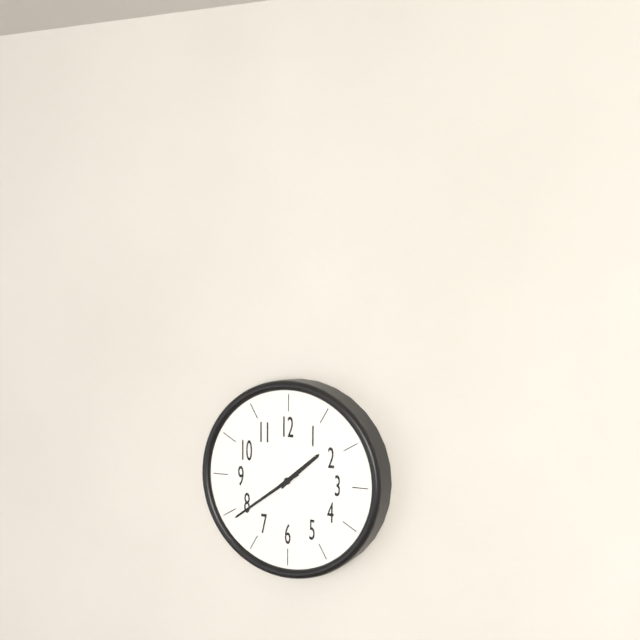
1h39
